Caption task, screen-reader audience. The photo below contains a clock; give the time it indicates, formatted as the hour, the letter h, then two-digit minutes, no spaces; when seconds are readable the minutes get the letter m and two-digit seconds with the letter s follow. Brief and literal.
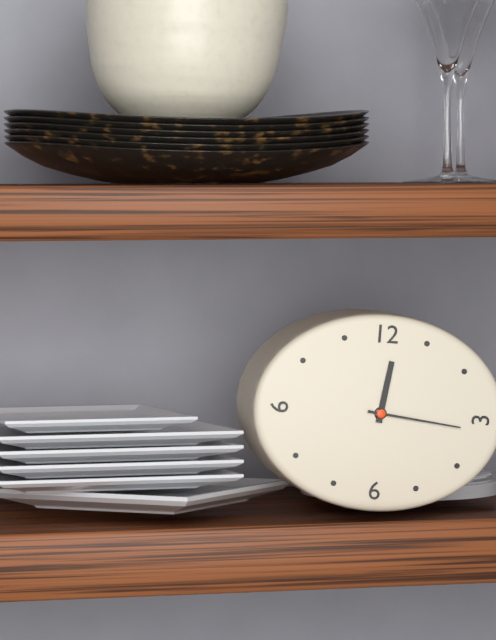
12h16
